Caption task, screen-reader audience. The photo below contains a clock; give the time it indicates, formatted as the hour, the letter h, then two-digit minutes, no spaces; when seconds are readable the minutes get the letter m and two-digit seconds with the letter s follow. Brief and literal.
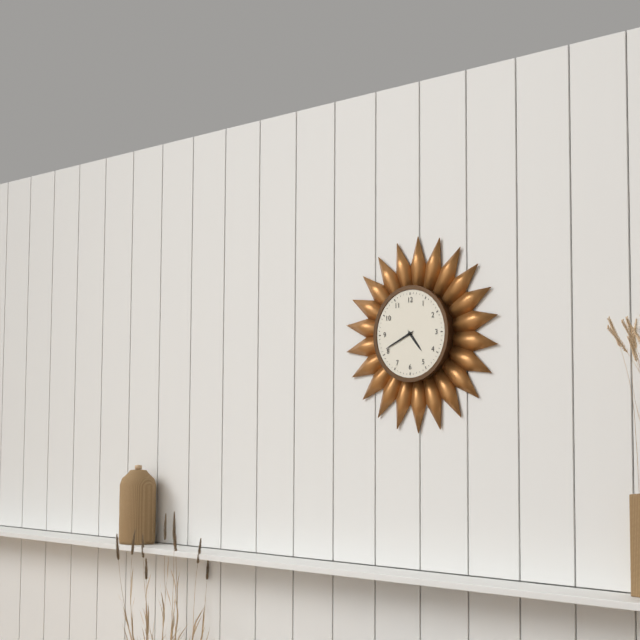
4h41
